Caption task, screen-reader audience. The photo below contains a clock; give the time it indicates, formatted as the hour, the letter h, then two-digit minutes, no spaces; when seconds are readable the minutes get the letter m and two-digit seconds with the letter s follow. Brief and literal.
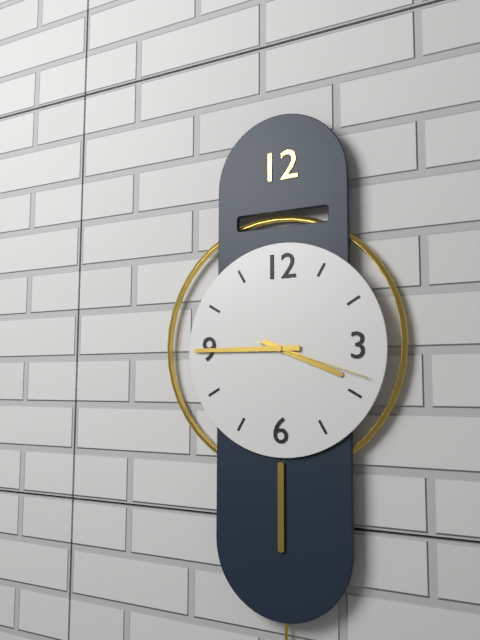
3h45m18s
